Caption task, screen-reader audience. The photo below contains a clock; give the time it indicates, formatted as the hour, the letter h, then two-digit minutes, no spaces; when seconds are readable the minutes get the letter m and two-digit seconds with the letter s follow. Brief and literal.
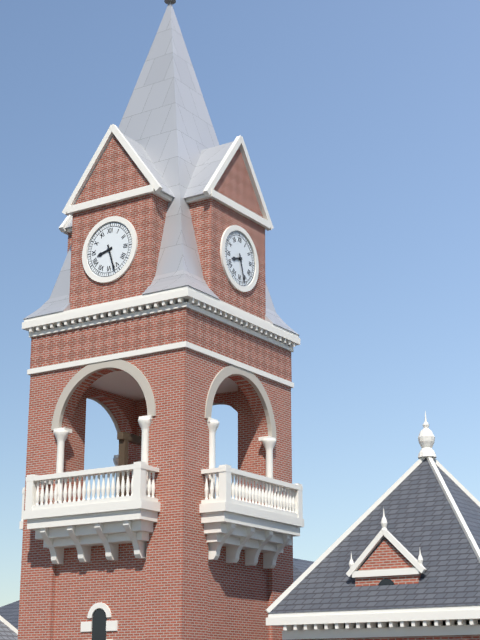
8h27
